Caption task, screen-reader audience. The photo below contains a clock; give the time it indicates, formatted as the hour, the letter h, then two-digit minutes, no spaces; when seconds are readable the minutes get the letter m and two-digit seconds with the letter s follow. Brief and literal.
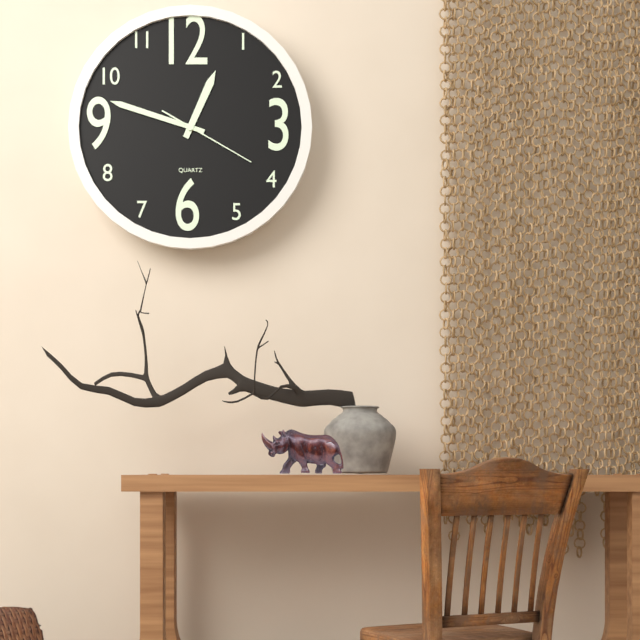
12h48m20s
